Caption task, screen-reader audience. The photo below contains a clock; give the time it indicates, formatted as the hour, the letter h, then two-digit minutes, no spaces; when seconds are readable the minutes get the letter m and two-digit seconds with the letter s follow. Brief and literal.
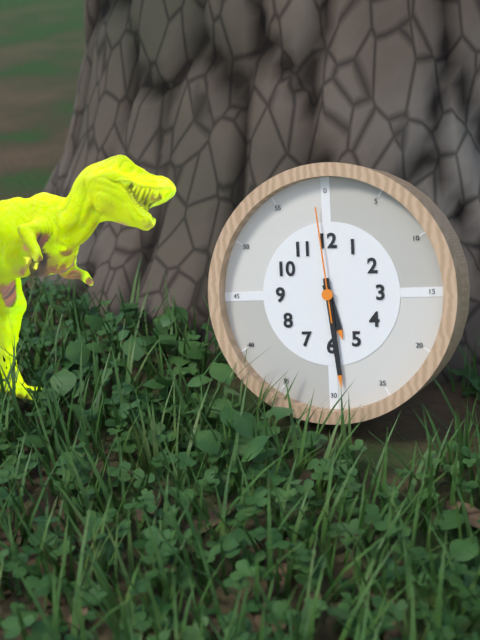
5h29m59s
